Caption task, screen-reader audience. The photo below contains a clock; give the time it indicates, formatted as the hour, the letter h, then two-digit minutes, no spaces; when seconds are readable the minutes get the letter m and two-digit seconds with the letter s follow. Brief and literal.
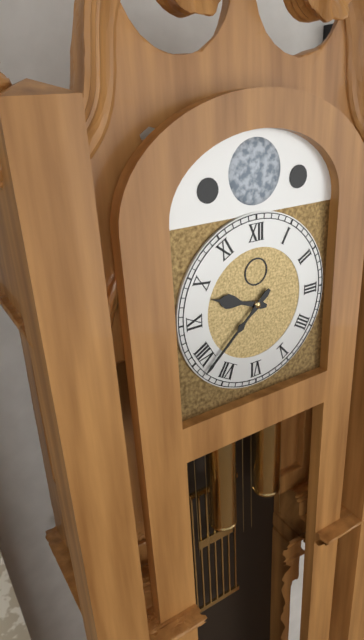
9h38
